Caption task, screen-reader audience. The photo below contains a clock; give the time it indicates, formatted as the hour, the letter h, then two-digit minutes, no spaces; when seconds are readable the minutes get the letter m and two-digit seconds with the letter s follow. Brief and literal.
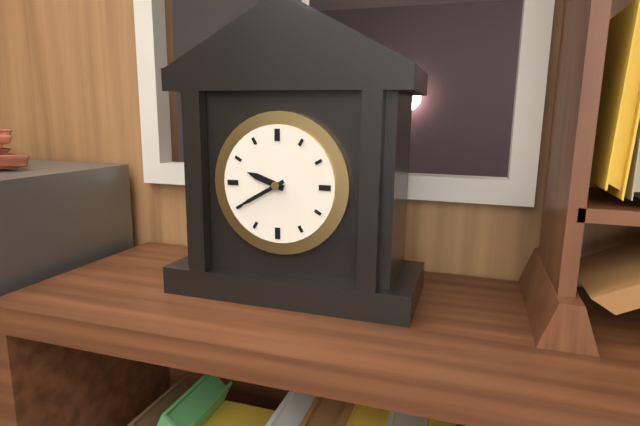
9h40
